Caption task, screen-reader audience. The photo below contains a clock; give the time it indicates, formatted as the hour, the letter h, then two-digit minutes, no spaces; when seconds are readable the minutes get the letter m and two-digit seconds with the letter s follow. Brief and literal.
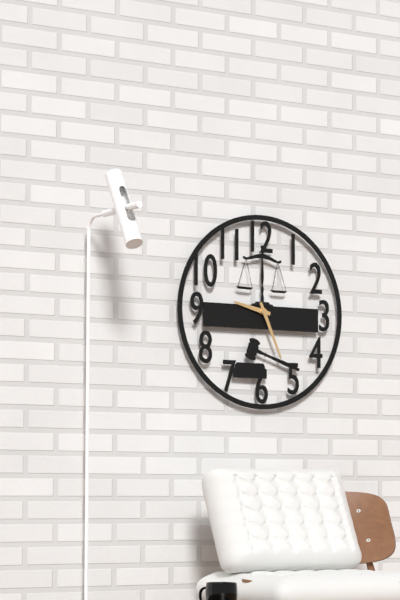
9h26
